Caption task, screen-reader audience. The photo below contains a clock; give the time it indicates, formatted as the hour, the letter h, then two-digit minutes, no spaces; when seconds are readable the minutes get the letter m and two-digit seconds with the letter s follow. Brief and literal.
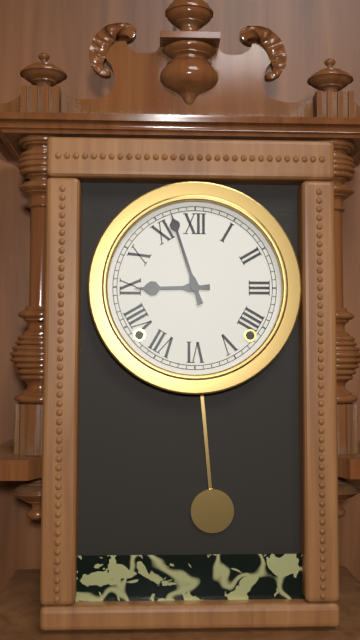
8h57
